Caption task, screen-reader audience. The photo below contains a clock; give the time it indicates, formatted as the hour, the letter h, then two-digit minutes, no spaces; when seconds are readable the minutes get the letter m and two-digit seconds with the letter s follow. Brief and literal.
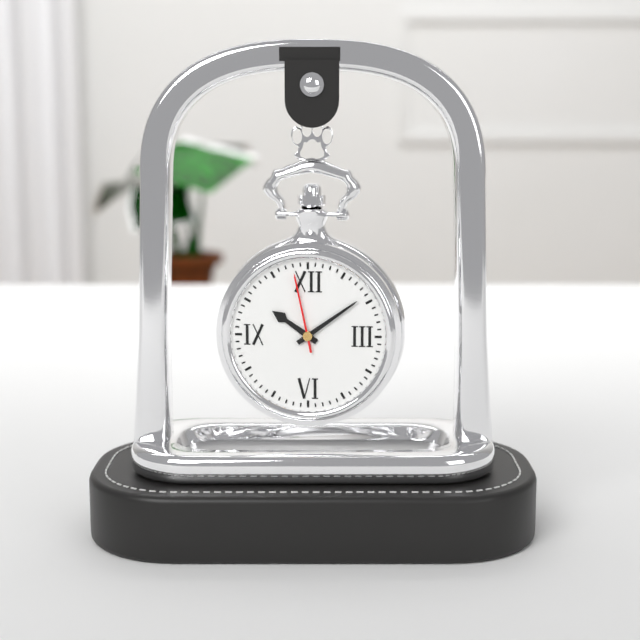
10h09m58s
